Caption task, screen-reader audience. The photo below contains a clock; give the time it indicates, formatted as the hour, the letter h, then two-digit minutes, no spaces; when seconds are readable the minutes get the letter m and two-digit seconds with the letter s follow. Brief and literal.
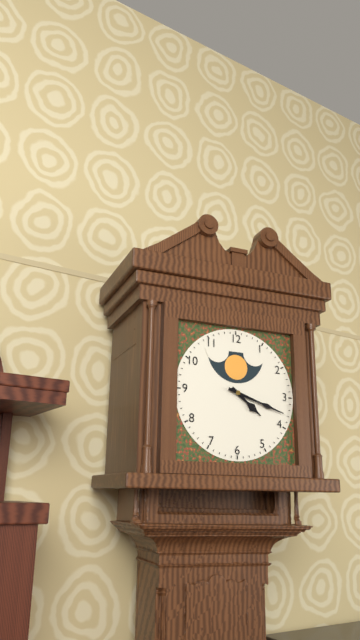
4h18
